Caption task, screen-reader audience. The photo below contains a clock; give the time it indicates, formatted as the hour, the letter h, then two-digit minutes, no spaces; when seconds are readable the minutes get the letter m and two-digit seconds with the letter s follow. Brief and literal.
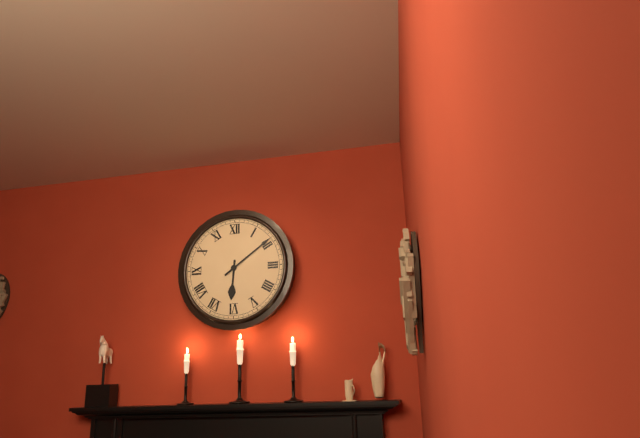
6h09
